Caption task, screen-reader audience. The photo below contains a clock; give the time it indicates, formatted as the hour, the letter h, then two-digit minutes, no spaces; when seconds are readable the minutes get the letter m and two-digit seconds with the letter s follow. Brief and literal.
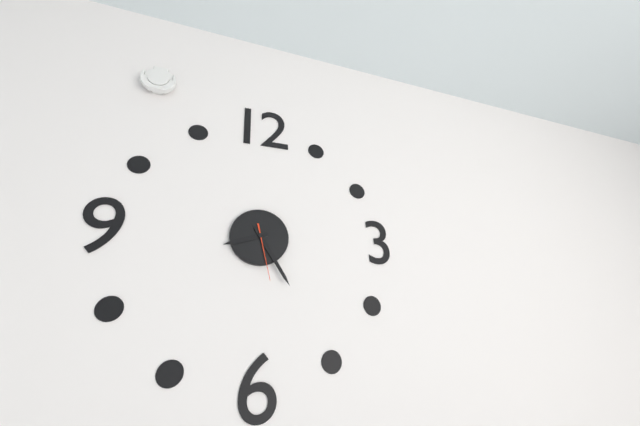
8h25m28s
